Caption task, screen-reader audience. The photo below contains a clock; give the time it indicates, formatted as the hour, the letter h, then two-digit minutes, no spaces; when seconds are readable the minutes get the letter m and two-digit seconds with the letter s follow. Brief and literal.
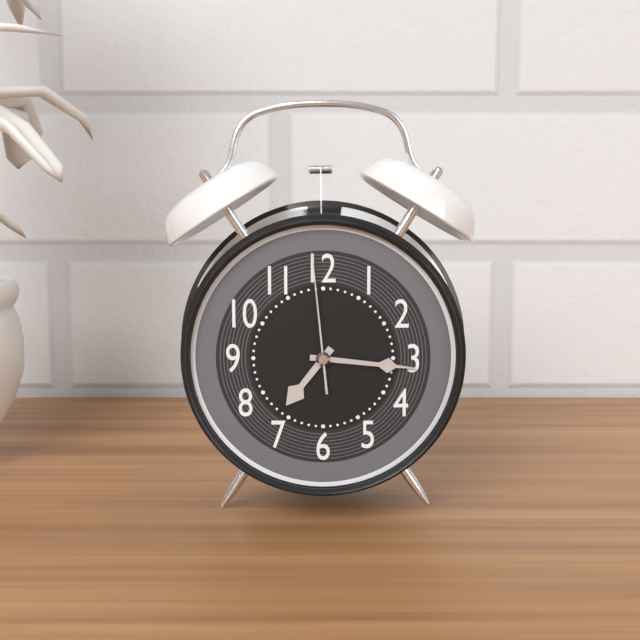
7h16m59s
